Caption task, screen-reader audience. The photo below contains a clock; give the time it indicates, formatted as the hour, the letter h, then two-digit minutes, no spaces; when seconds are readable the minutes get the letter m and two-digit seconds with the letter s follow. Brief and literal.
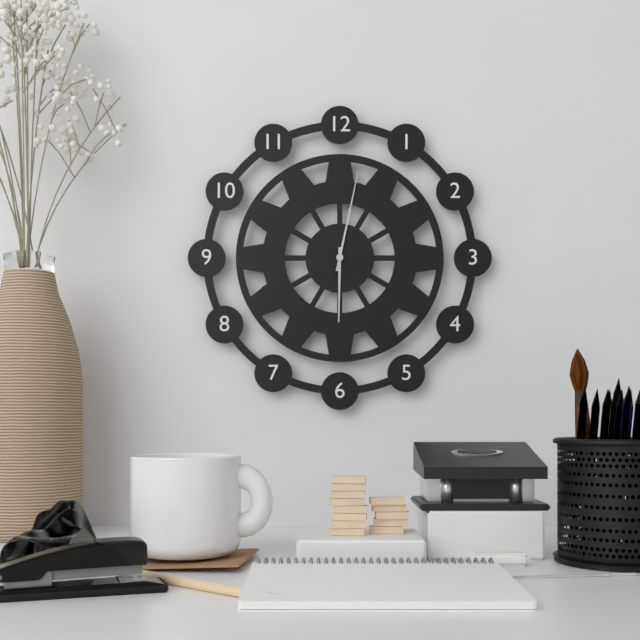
6h02
